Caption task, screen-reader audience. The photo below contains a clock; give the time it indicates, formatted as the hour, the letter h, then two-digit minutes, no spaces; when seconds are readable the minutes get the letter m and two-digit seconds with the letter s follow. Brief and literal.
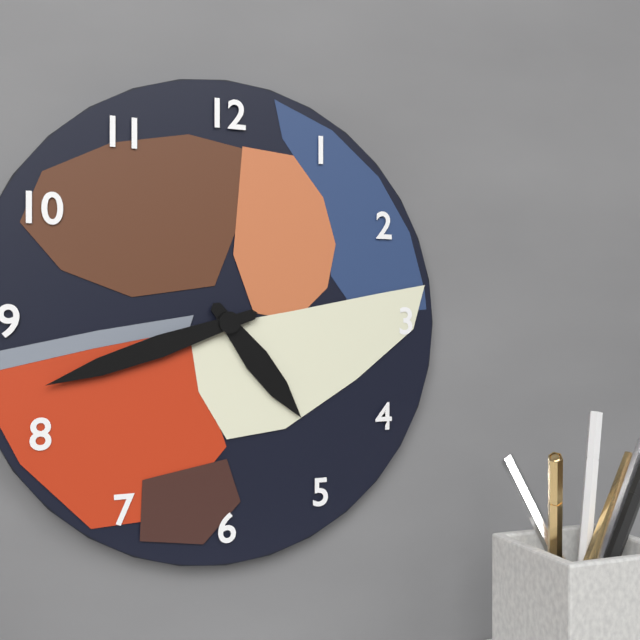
4h42
